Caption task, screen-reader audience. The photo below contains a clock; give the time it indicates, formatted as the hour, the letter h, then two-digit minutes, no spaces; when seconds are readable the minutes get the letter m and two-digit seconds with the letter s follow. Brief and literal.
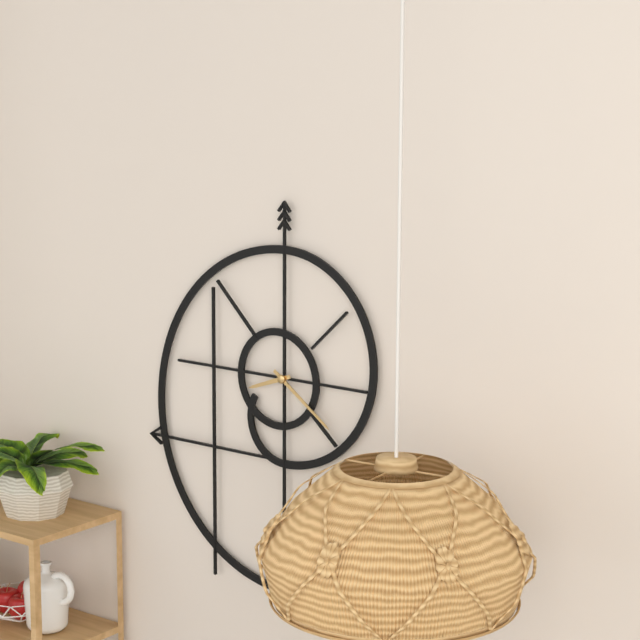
8h21
